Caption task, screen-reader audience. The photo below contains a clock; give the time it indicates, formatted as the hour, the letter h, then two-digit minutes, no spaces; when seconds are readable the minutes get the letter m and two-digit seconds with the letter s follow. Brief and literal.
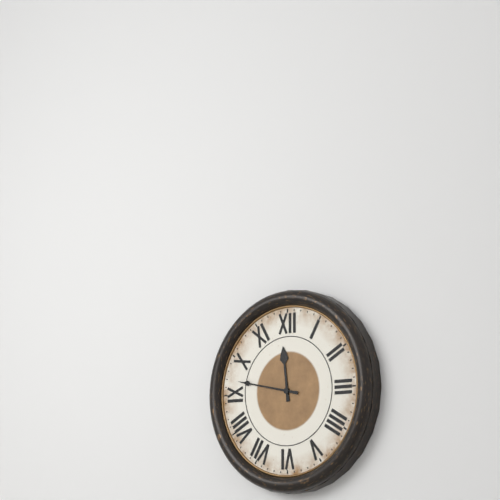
11h47
